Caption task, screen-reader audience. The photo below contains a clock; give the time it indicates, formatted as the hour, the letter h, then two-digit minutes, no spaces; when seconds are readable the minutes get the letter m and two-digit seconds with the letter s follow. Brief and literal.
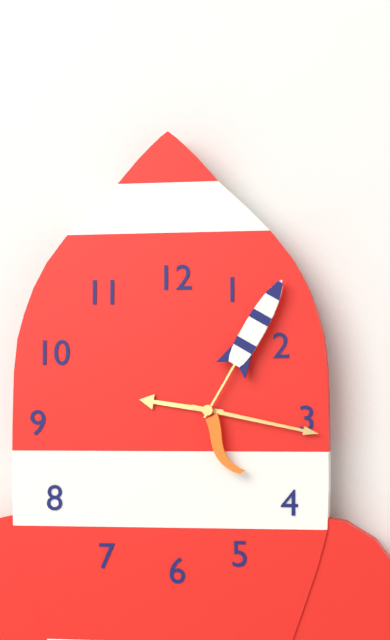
9h17m05s
